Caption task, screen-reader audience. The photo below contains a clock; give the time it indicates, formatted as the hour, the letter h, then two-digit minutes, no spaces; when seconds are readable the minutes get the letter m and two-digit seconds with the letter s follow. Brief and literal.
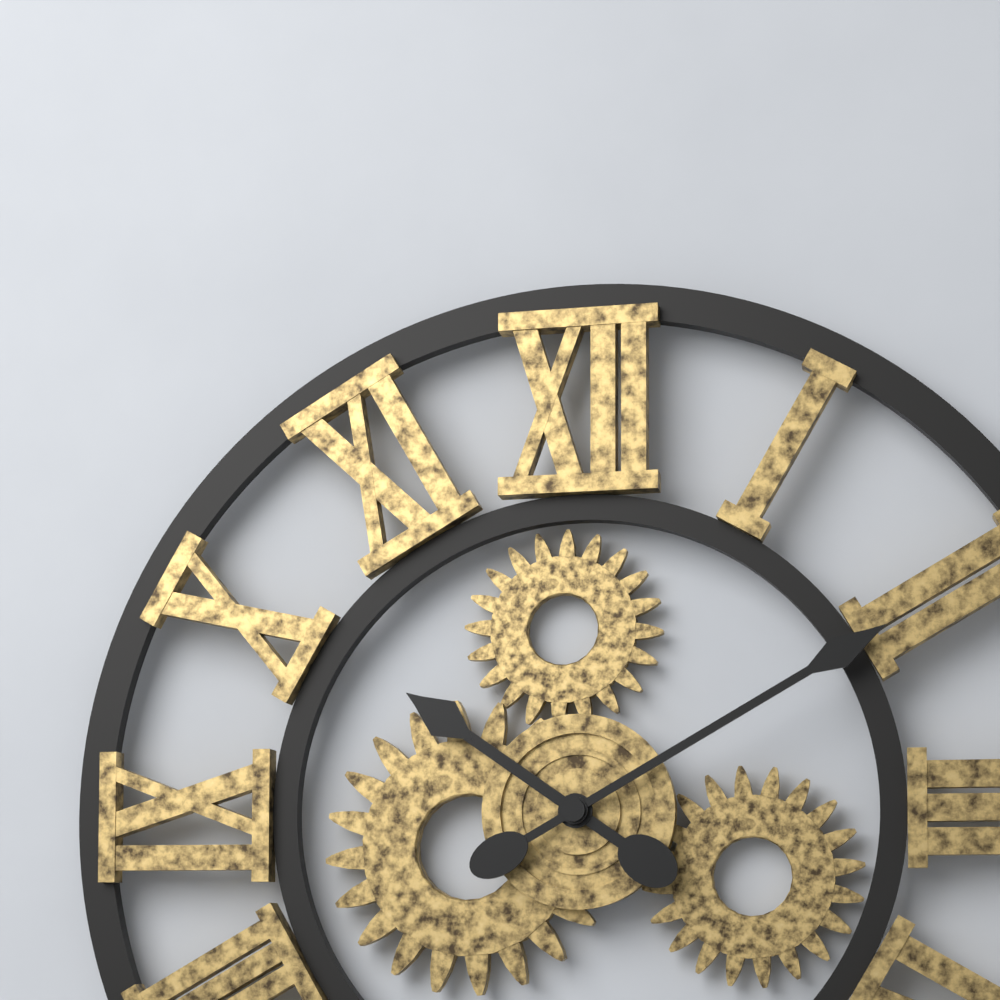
10h10
